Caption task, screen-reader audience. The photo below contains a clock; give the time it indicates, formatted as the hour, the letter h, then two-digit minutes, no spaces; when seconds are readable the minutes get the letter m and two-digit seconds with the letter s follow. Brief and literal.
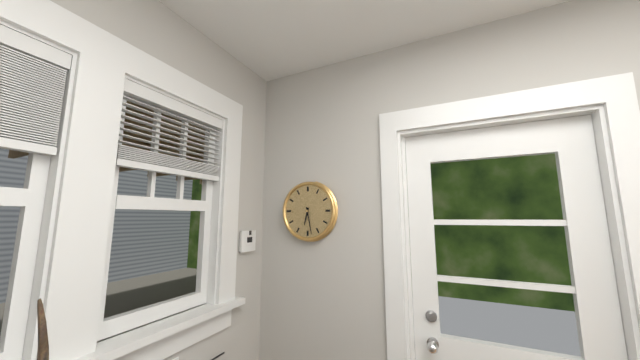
6h28
